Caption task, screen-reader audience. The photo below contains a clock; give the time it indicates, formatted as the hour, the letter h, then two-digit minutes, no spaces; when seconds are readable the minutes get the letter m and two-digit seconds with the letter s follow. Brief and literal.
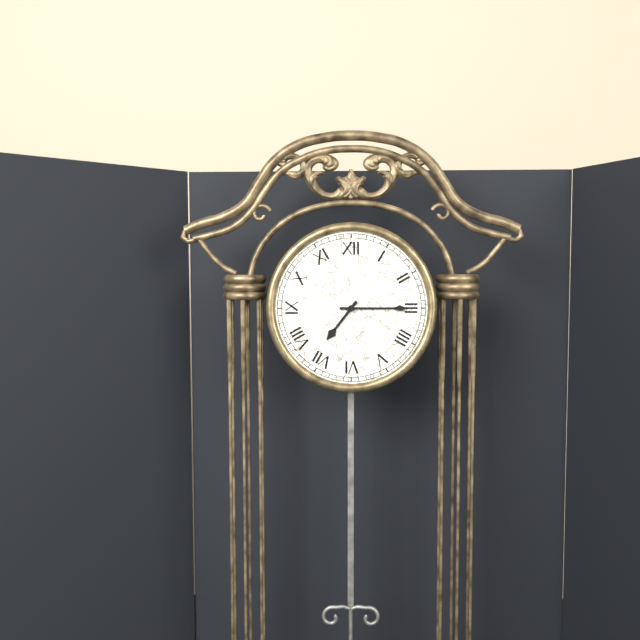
7h15
